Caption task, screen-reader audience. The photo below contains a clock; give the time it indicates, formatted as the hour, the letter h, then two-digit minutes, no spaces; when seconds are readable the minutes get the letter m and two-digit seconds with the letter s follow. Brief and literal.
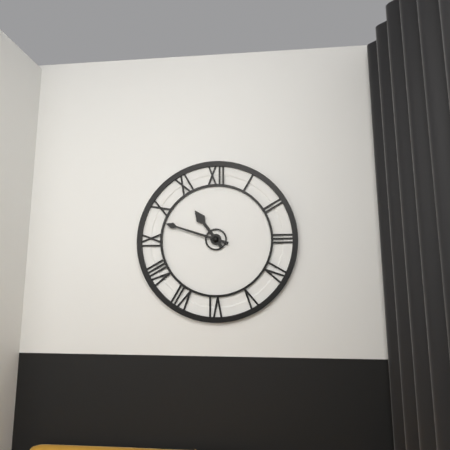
10h48
